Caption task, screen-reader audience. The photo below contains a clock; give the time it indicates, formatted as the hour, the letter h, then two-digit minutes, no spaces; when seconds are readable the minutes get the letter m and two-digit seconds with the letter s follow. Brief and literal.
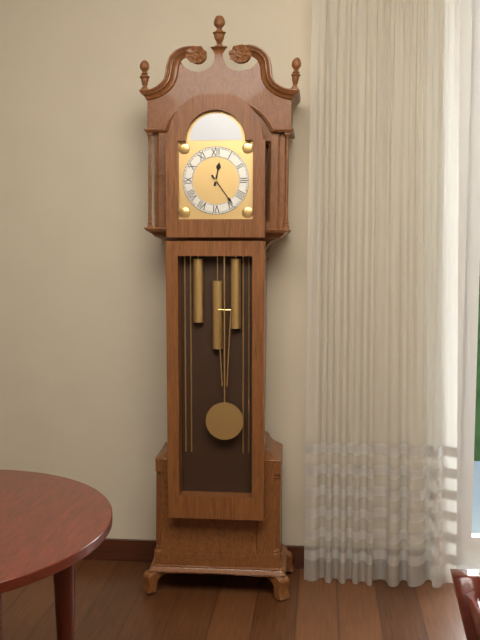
12h24
